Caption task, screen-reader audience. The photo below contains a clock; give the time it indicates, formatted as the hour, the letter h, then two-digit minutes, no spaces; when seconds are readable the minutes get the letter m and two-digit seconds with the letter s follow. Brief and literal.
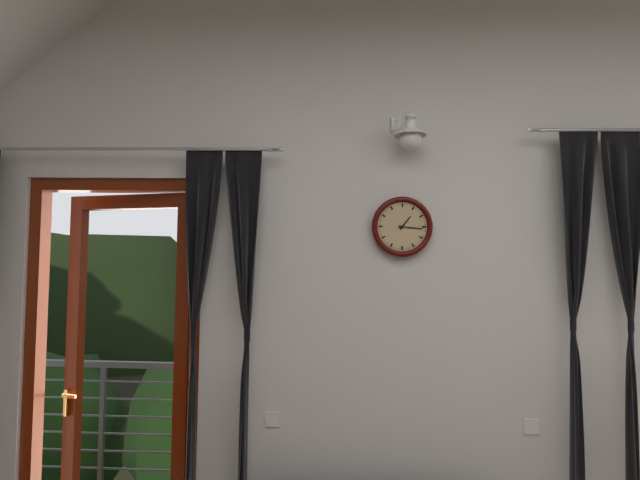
1h16
